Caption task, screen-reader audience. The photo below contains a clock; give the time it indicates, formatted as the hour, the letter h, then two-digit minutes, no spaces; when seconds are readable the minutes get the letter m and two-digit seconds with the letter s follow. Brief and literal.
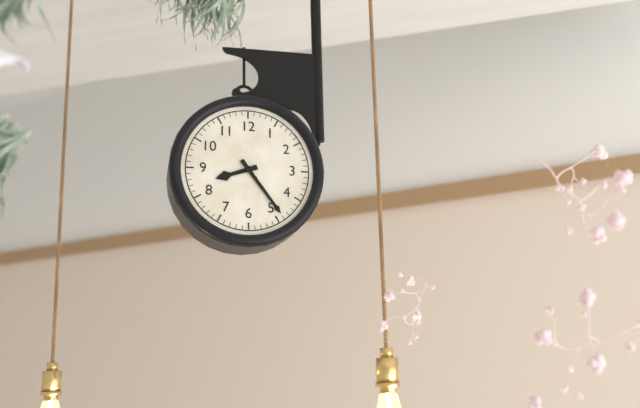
8h24
